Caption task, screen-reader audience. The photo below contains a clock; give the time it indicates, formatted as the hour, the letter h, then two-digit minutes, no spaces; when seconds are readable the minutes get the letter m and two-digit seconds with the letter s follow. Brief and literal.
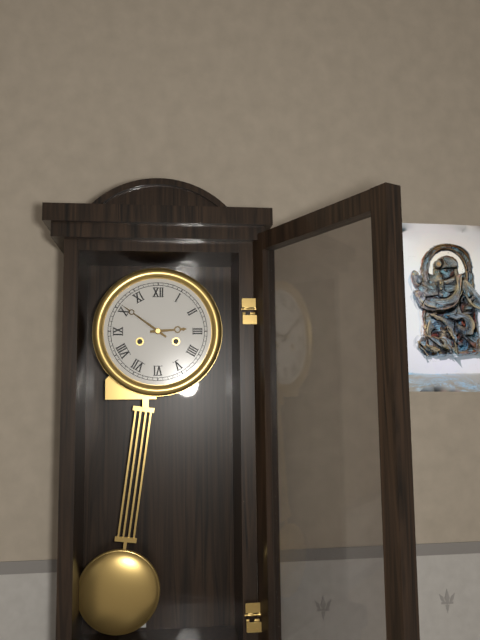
2h51
